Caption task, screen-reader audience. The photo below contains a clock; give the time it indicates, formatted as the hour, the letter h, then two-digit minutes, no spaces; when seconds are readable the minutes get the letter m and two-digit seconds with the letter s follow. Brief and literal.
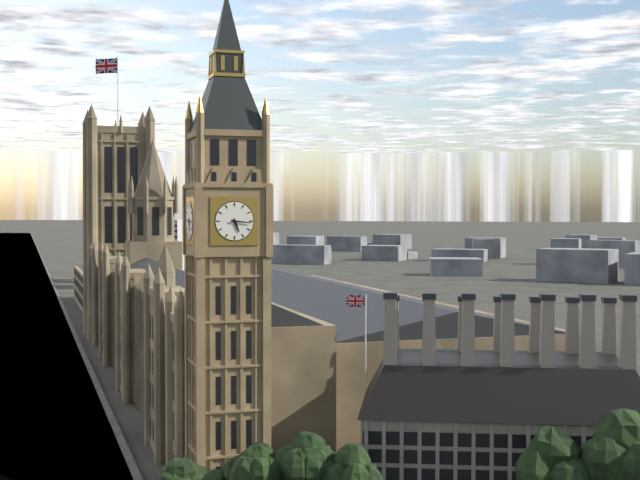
5h16
